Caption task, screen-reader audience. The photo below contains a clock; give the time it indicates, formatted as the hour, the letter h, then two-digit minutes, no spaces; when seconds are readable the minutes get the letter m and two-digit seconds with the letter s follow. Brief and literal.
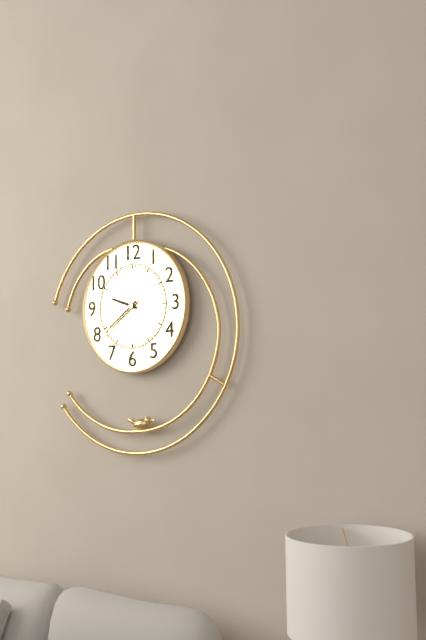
9h39
